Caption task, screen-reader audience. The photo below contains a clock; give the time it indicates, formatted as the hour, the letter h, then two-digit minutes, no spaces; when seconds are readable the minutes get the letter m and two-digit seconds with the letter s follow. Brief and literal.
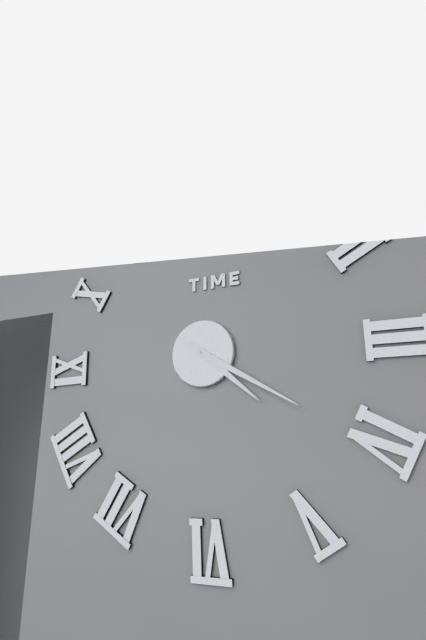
4h20
